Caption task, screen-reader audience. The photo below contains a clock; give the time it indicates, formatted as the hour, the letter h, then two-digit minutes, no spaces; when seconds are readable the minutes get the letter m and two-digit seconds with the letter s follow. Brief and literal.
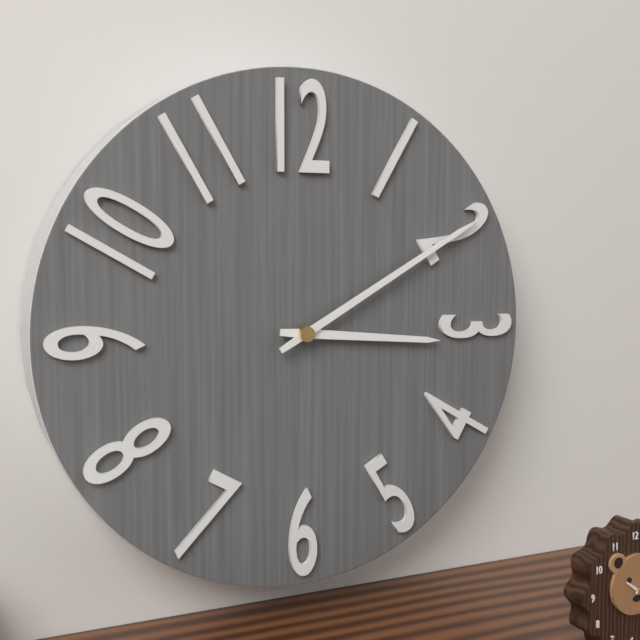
3h10
